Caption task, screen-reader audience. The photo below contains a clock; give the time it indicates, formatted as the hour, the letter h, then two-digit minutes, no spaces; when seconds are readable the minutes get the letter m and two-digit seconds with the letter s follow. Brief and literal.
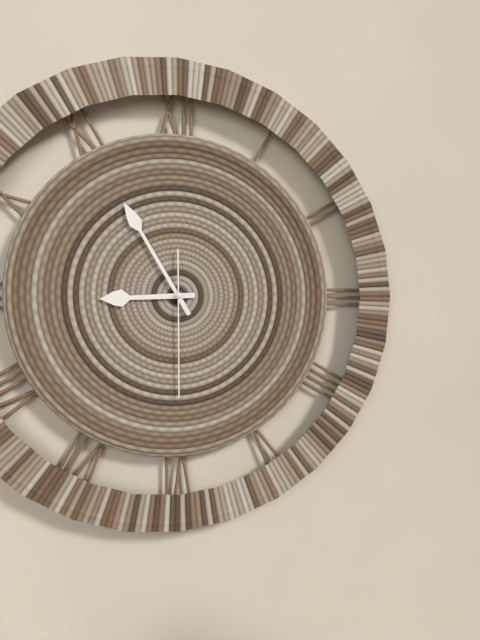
8h55m30s
